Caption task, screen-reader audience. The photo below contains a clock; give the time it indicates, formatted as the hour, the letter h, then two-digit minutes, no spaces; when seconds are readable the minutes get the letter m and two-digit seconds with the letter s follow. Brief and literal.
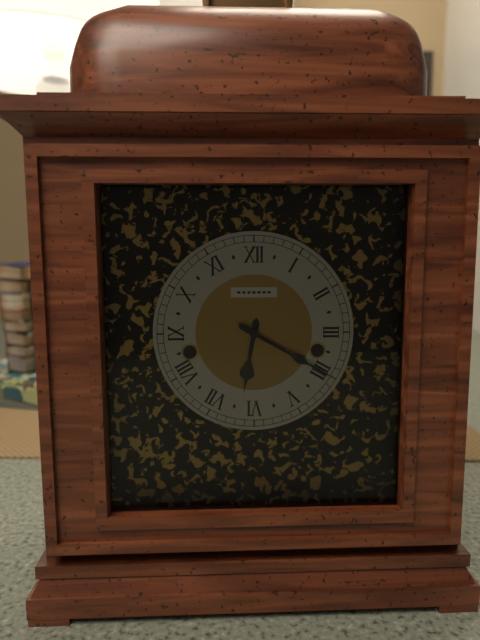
6h20
